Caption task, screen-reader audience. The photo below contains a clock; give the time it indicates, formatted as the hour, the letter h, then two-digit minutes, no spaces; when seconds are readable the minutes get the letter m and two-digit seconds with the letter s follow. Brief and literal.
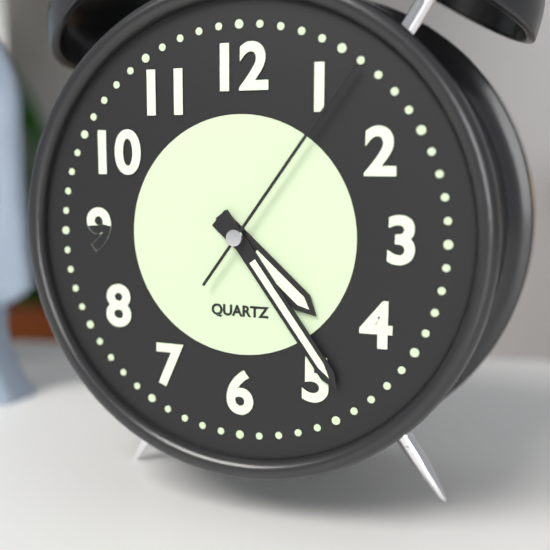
4h24m06s
